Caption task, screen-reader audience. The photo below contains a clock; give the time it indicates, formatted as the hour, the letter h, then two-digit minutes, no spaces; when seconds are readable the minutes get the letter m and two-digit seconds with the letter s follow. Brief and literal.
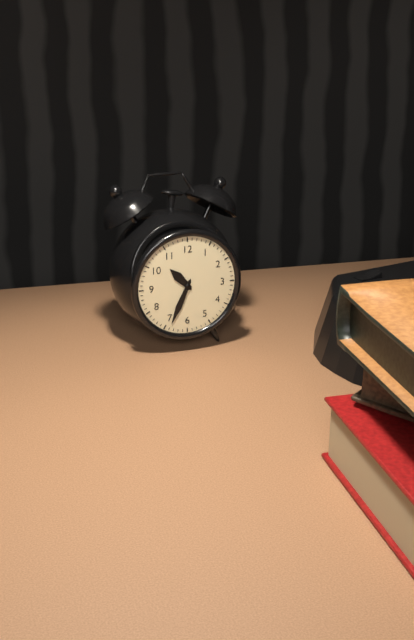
10h34
